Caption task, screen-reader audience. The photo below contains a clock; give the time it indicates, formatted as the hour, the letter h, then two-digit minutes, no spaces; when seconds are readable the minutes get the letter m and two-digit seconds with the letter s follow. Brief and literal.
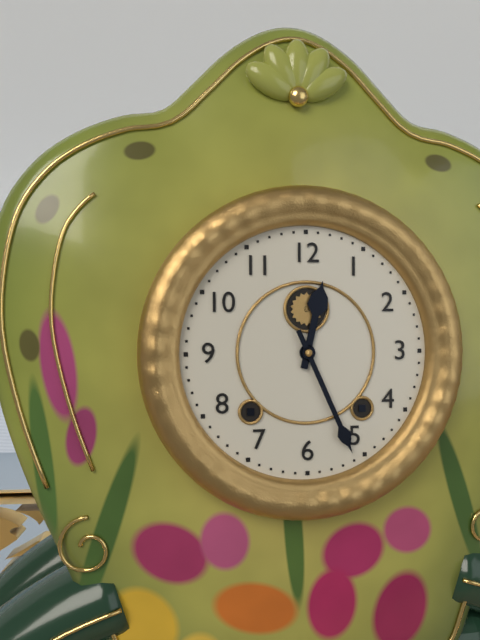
12h26
